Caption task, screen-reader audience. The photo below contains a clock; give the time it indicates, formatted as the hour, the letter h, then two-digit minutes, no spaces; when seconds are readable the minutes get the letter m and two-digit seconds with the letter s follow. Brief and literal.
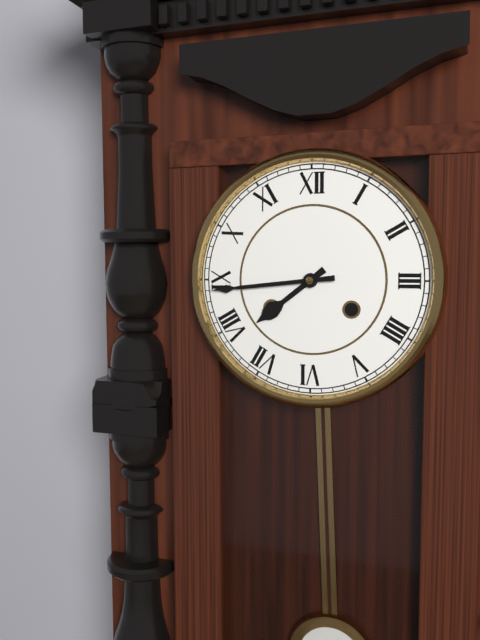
7h44
